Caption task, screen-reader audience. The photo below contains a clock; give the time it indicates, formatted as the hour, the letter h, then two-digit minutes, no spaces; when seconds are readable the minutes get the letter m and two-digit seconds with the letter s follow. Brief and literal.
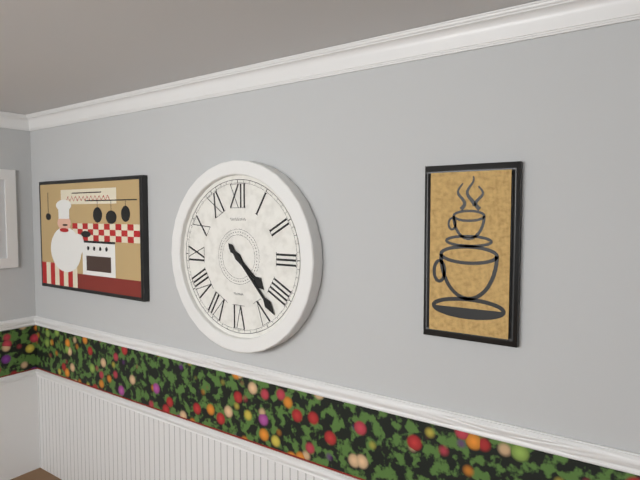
4h23
